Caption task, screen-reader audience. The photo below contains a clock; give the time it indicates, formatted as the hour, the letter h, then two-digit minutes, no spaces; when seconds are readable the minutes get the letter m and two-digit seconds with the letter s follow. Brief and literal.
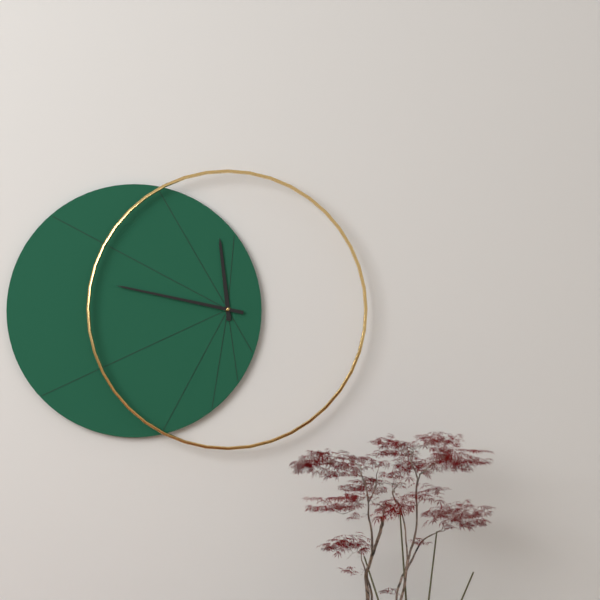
11h47
